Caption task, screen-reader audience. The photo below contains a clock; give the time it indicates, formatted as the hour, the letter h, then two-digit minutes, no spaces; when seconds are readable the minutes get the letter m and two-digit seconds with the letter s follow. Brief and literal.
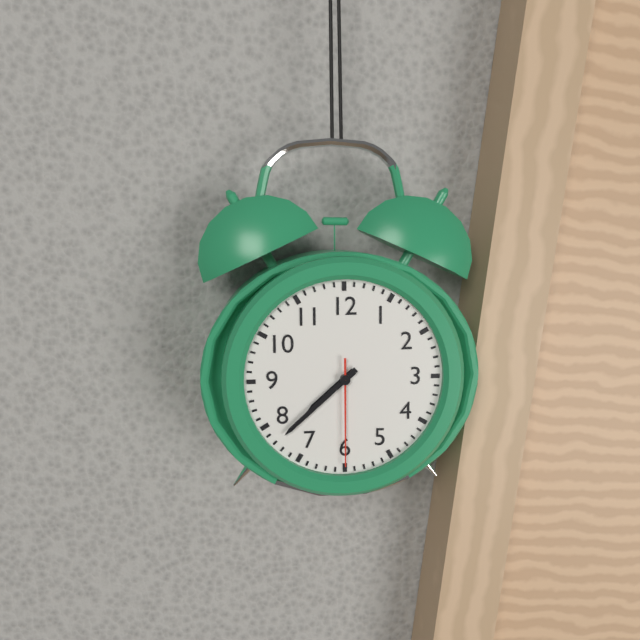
7h38m30s
